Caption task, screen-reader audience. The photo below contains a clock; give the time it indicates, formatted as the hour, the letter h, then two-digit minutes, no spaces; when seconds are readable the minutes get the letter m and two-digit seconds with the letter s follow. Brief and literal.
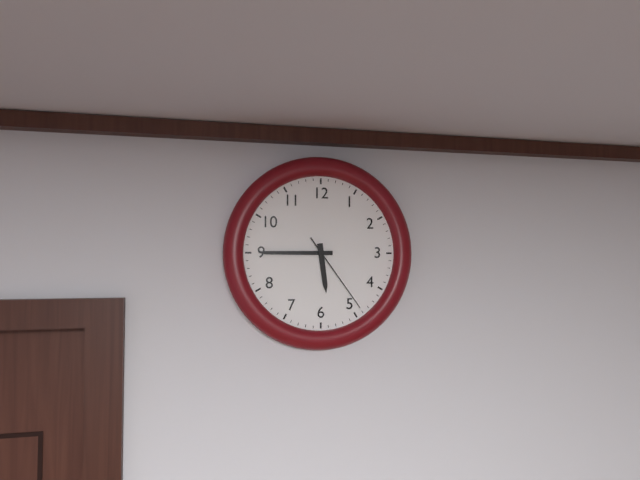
5h45m24s
